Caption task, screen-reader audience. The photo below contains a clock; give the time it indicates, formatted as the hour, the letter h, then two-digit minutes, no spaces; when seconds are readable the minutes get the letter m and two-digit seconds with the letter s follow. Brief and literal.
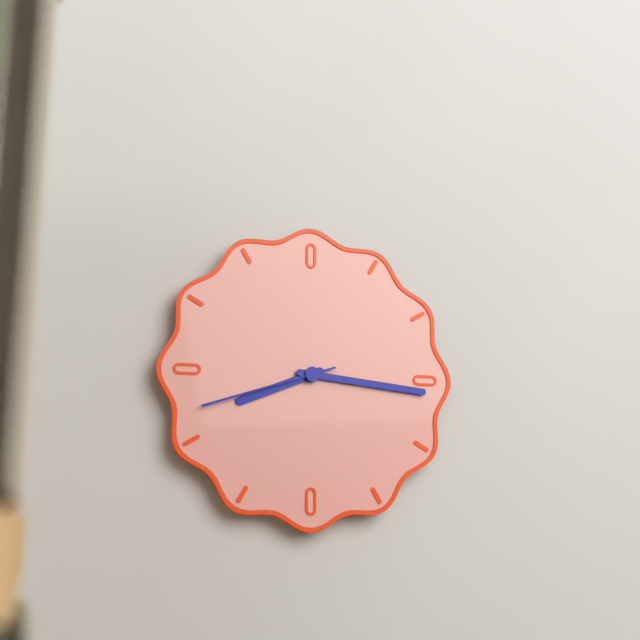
8h16m42s
